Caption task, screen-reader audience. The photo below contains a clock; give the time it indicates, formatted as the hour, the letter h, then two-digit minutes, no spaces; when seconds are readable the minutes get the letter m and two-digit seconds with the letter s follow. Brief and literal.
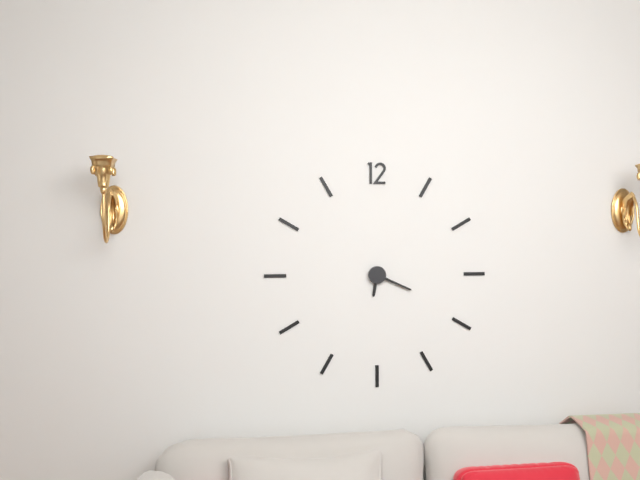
6h19
